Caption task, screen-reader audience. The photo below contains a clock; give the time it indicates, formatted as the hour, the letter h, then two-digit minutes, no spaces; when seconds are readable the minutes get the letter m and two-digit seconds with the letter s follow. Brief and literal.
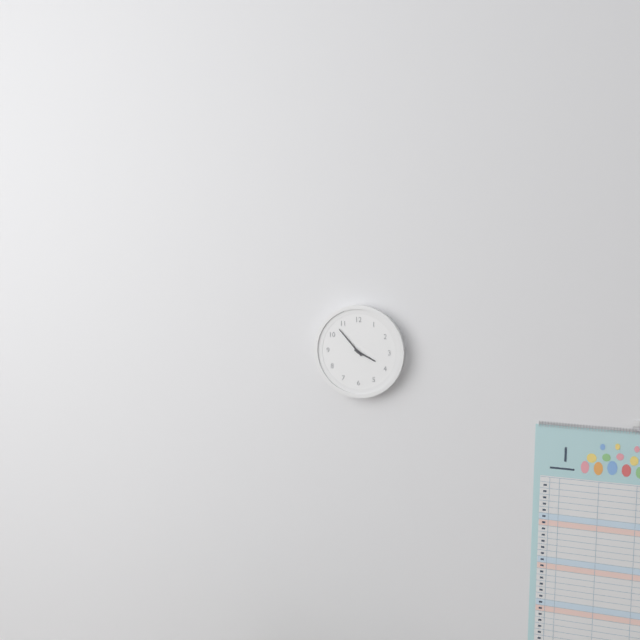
3h53
